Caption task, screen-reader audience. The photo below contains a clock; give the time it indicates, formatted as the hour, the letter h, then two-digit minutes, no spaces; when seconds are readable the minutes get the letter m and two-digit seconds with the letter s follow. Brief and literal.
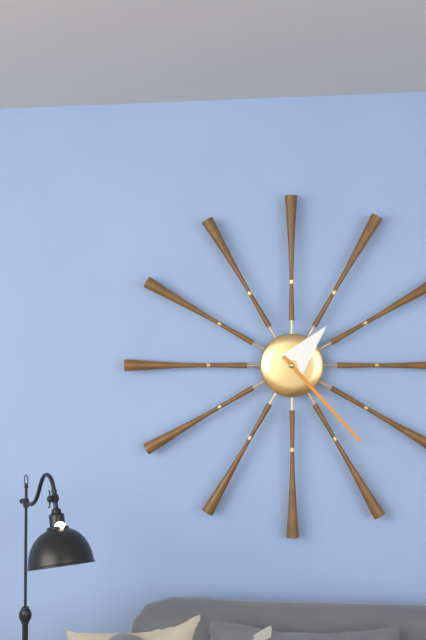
1h23
